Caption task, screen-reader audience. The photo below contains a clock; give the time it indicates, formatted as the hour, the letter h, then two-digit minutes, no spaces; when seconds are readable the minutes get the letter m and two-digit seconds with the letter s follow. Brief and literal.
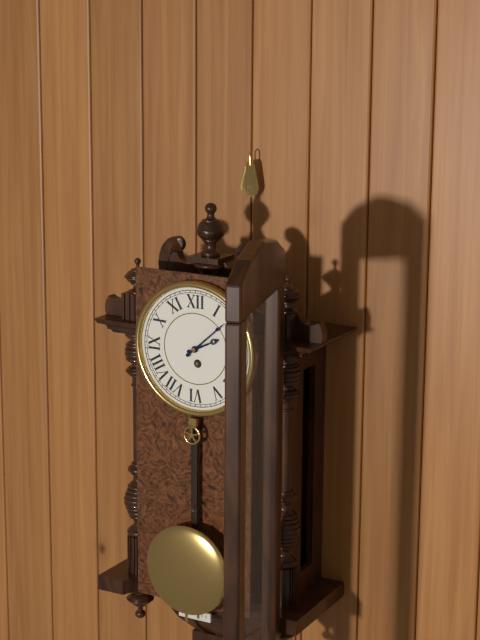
2h08
